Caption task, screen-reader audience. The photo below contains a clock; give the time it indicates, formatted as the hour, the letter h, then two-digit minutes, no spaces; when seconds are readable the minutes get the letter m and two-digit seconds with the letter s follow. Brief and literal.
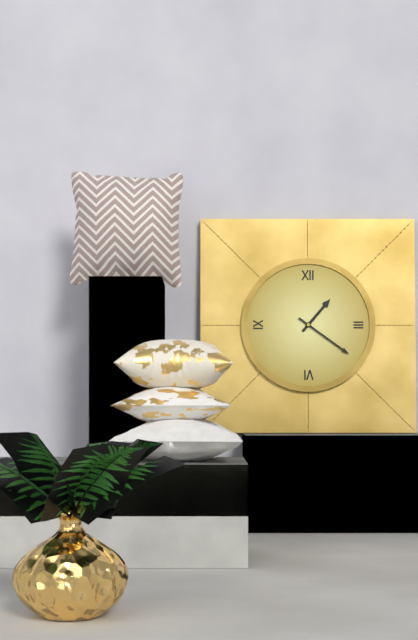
1h21
